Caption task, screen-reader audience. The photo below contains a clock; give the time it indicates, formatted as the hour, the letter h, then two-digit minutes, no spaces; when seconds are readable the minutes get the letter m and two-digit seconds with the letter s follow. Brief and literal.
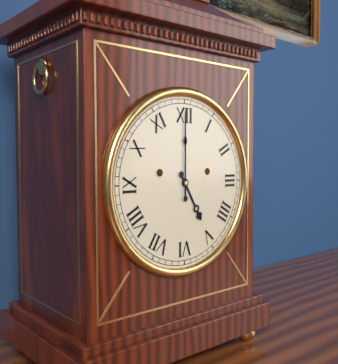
5h00
